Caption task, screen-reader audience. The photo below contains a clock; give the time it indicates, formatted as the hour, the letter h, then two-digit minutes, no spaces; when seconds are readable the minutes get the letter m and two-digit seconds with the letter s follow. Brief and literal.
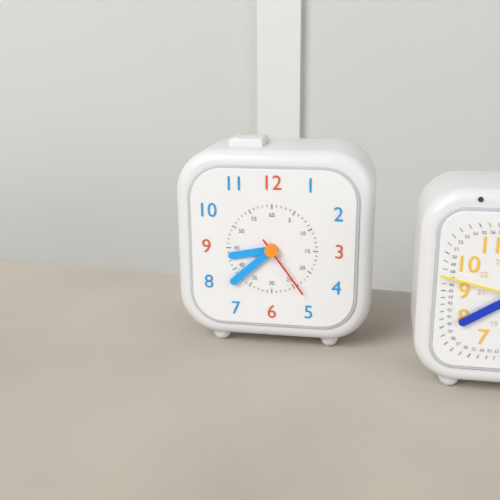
8h38m24s
